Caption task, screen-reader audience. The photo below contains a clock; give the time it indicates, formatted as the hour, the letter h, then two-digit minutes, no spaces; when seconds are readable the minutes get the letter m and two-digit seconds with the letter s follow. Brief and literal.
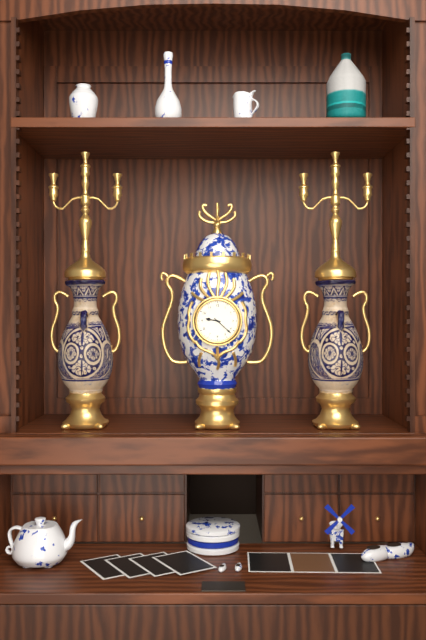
9h22
